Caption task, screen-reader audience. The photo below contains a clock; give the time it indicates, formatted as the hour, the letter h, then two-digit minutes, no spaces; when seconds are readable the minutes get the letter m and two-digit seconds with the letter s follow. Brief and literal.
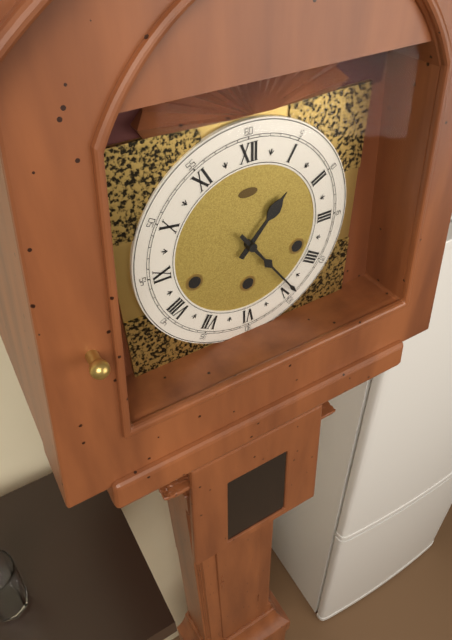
1h24
